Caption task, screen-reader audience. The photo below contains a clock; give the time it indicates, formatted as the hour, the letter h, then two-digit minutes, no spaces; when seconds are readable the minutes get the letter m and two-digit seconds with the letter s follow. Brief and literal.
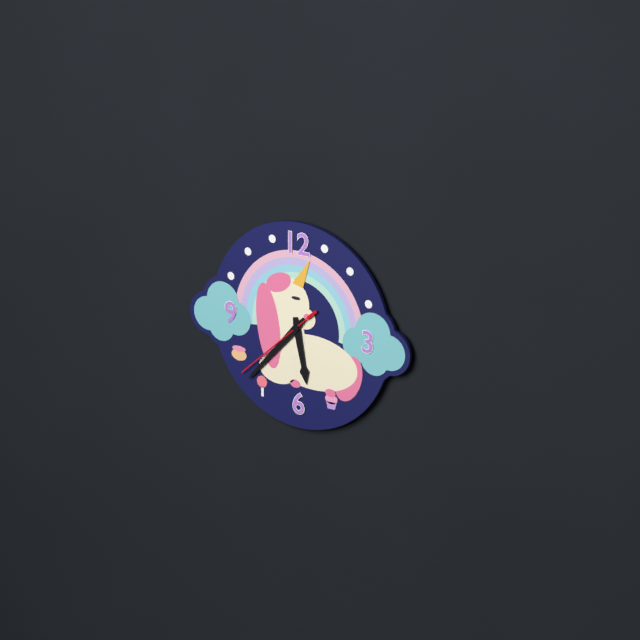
5h37m38s
